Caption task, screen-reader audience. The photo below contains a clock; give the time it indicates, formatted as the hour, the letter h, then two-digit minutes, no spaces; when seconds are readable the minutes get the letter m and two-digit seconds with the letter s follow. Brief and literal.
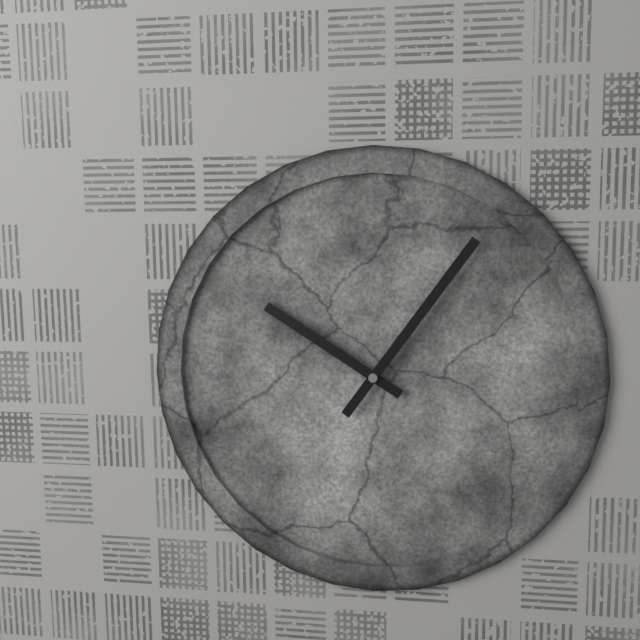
10h06
